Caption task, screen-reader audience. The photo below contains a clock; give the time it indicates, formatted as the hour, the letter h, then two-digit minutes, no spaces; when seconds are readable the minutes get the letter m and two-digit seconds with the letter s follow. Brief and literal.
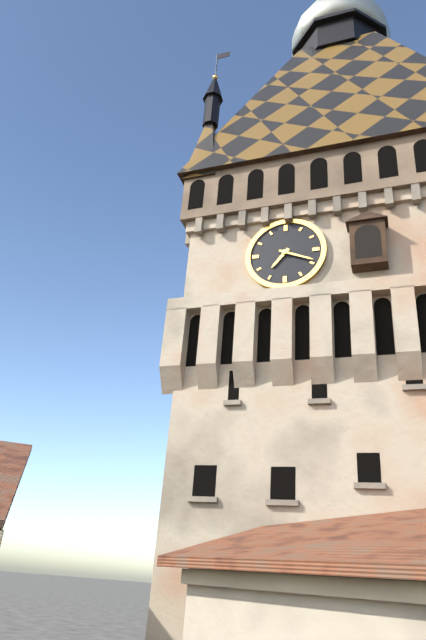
7h19
